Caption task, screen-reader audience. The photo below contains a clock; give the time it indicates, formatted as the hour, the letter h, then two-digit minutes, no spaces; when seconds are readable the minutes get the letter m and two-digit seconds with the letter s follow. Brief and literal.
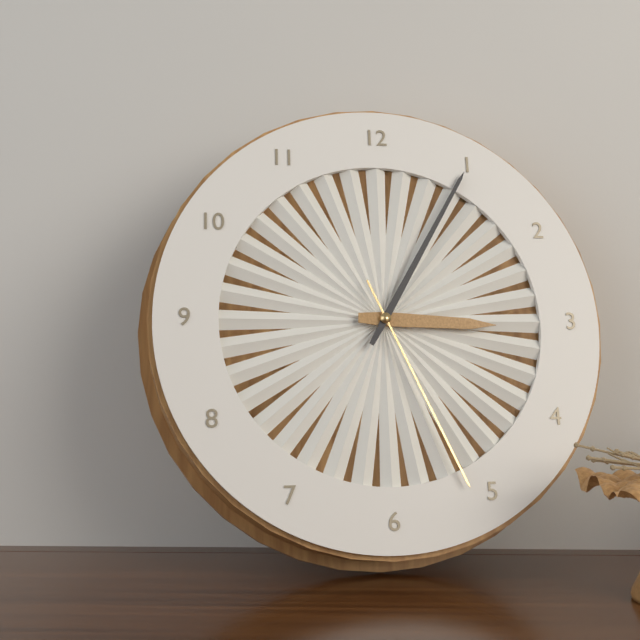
3h05m26s
